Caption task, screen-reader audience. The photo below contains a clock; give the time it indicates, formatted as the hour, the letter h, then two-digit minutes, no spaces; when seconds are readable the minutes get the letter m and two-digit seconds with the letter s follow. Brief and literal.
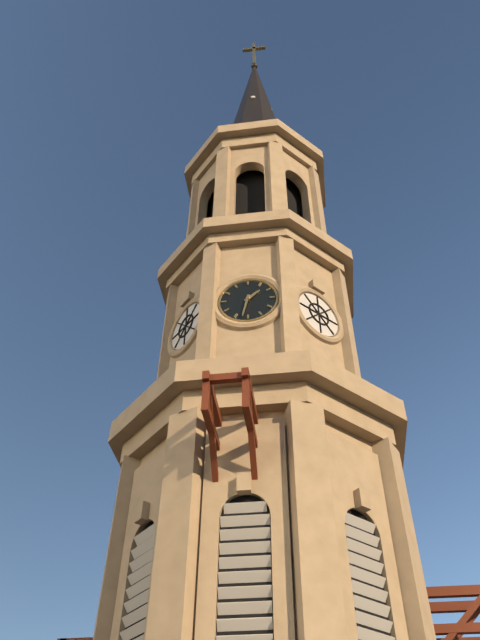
1h32
